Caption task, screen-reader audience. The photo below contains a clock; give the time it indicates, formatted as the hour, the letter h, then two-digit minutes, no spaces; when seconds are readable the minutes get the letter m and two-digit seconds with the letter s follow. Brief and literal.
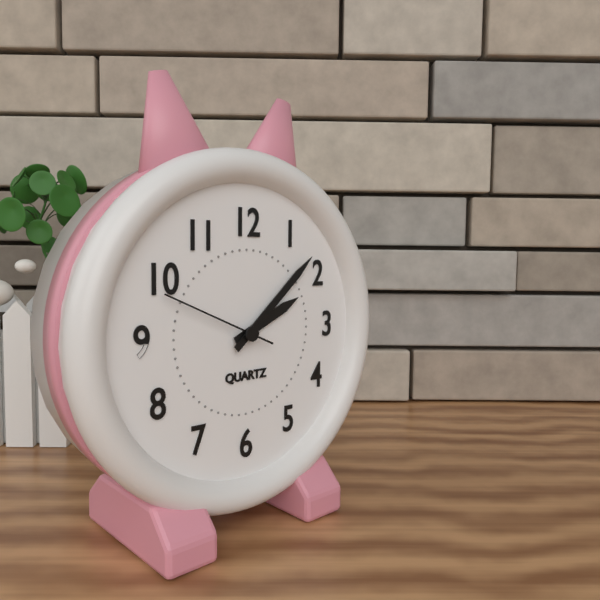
2h08m49s
